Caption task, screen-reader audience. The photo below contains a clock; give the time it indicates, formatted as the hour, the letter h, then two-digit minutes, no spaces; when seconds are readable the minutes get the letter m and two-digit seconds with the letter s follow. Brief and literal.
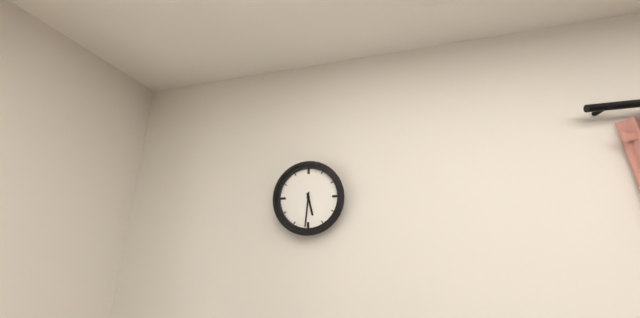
5h31
